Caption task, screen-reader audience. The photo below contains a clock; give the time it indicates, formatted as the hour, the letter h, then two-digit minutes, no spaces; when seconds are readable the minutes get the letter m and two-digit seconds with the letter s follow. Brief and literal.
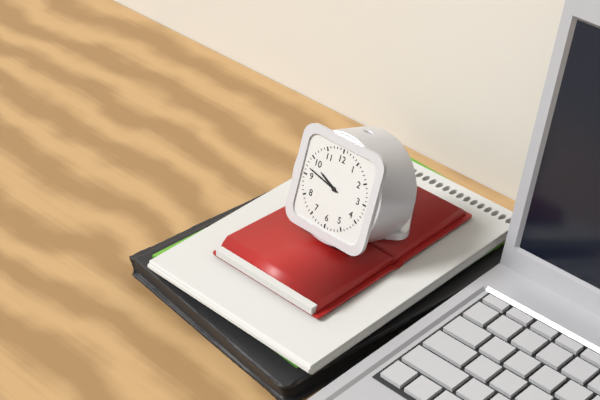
9h47
